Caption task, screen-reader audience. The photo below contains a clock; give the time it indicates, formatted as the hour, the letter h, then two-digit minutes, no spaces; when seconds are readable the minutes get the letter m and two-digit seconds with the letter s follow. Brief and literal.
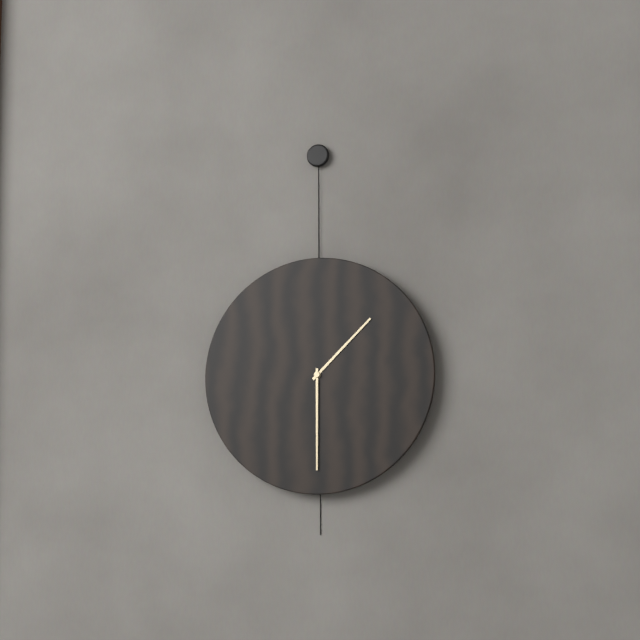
1h30
